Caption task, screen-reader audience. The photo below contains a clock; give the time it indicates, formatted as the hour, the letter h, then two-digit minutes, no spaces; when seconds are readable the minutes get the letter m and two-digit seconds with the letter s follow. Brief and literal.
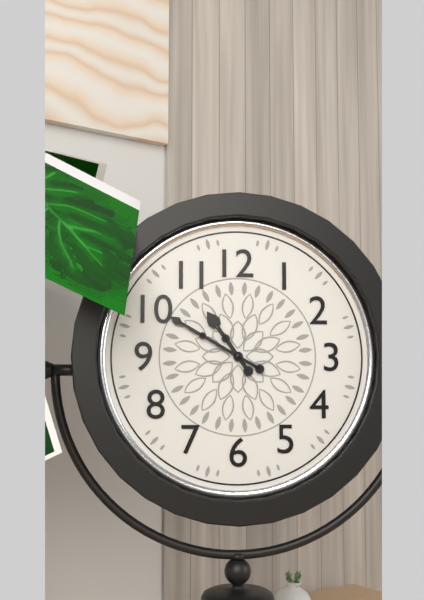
10h50
